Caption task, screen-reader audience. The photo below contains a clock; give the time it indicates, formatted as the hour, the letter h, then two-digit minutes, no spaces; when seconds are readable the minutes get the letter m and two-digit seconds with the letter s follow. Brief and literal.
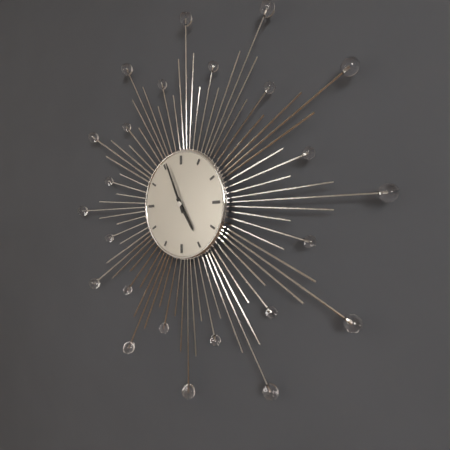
4h56
